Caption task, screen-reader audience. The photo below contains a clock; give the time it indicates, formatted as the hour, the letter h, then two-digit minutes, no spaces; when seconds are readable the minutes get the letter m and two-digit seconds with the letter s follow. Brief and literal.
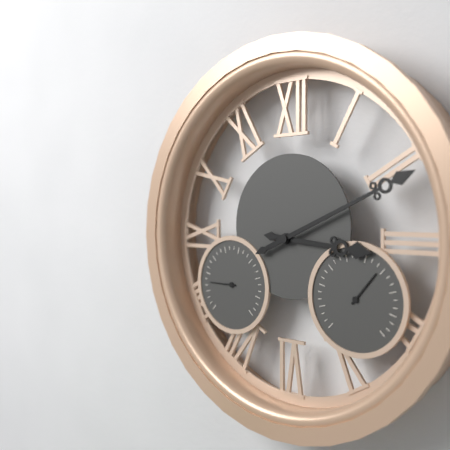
3h11
